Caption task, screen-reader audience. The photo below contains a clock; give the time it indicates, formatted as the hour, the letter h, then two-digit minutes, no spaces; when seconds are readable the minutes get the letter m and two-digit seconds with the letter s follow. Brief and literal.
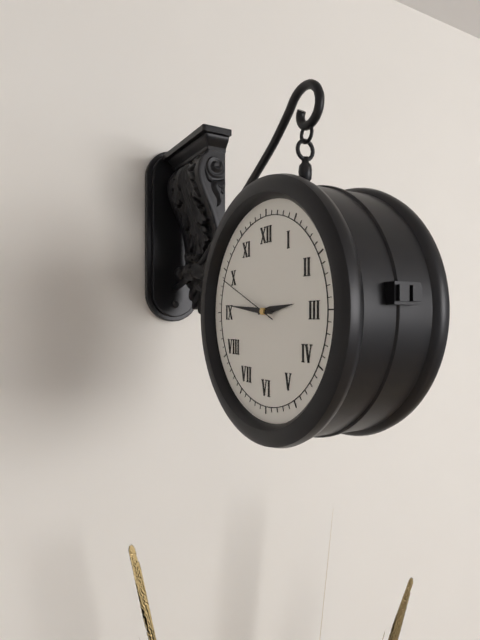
2h46m49s
